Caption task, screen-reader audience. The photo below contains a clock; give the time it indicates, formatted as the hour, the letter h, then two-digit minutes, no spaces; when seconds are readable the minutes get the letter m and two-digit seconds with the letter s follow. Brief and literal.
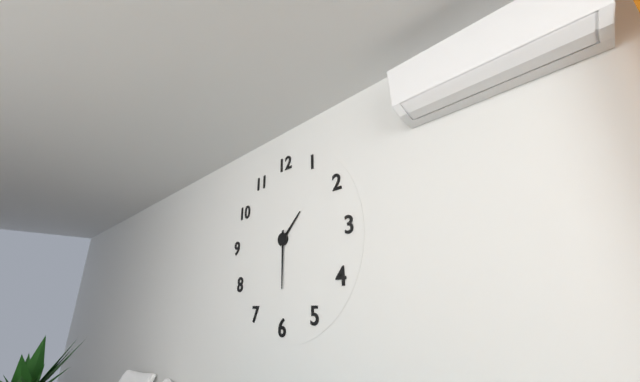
1h30
